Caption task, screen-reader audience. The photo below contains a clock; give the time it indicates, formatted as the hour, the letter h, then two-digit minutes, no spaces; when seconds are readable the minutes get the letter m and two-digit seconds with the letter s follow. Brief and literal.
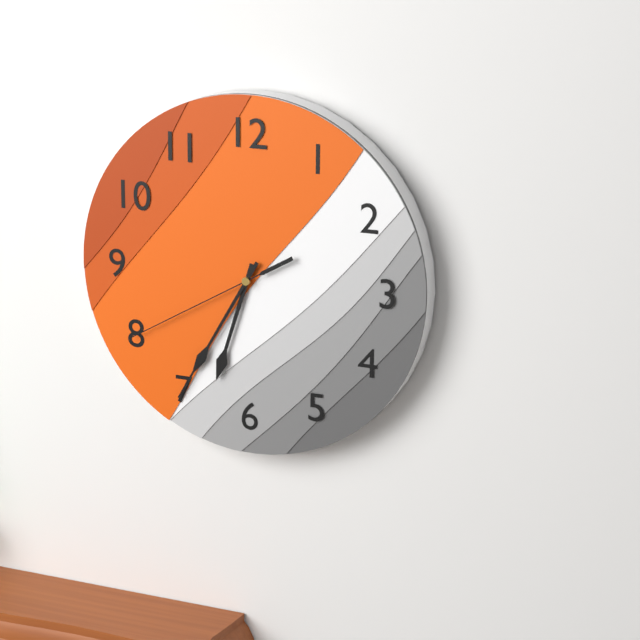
6h35m40s
